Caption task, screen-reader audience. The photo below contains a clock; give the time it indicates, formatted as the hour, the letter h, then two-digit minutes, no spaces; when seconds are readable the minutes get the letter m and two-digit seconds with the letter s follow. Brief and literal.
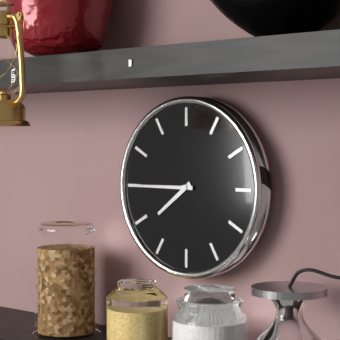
7h45
